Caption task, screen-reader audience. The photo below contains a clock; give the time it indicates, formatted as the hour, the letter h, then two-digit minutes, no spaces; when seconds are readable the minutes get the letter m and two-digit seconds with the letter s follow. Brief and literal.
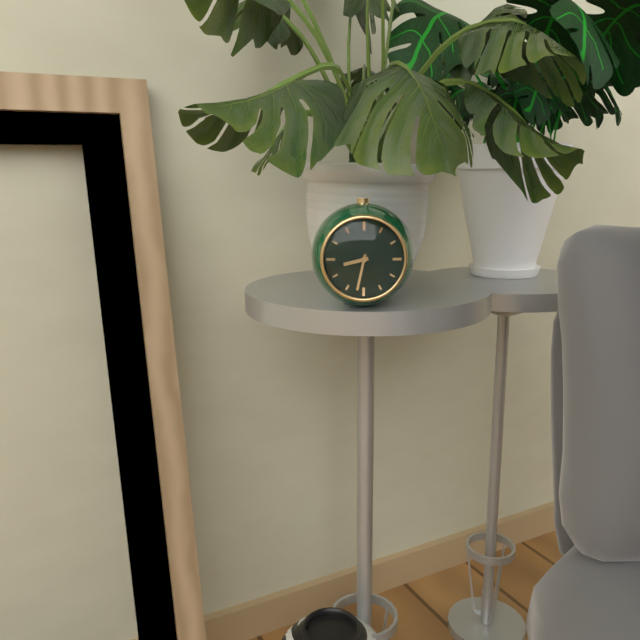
8h32
